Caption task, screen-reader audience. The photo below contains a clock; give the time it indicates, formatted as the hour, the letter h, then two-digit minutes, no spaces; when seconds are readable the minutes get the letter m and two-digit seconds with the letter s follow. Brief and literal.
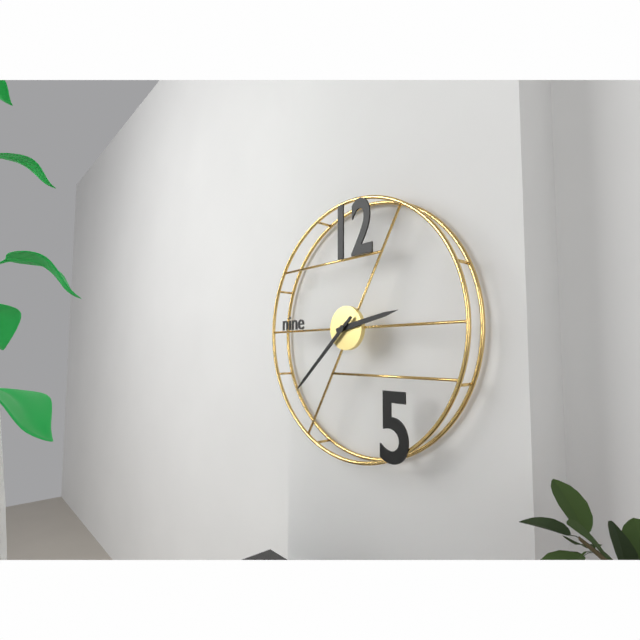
2h38
